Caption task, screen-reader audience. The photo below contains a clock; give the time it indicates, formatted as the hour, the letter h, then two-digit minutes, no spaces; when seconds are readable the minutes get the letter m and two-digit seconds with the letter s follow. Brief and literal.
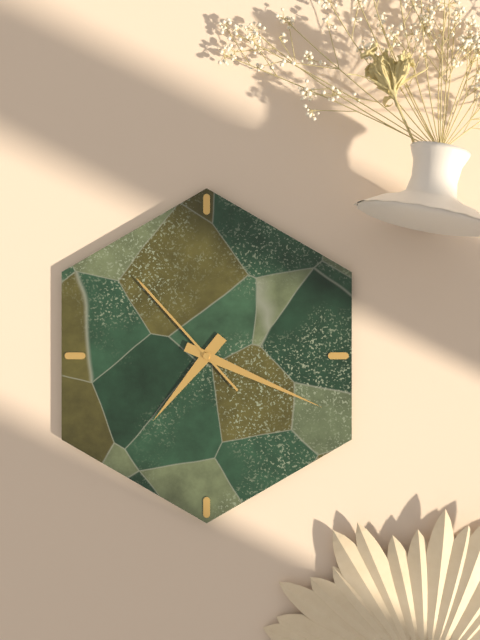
7h19m53s
